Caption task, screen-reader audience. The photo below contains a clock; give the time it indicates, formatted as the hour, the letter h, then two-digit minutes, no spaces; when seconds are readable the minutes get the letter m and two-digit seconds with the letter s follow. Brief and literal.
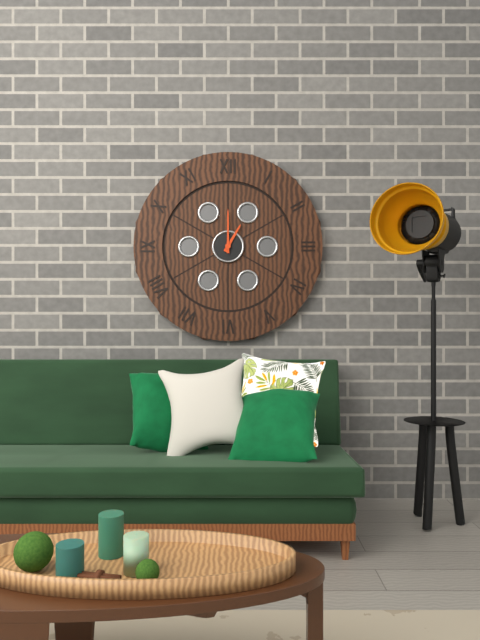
1h00
